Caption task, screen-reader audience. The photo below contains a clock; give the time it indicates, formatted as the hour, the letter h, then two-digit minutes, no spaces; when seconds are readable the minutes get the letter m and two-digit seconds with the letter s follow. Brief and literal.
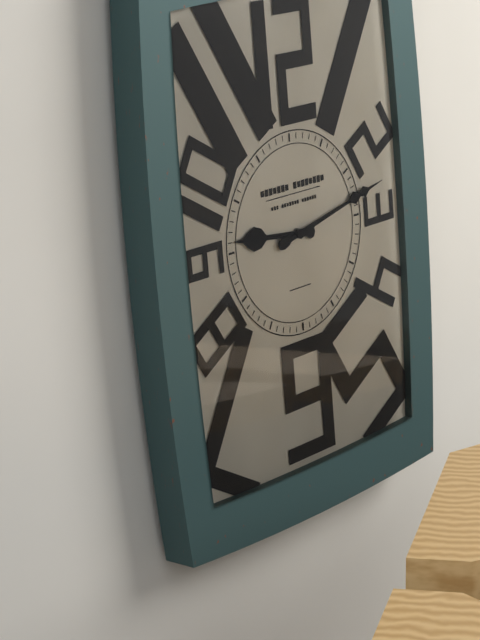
9h13
